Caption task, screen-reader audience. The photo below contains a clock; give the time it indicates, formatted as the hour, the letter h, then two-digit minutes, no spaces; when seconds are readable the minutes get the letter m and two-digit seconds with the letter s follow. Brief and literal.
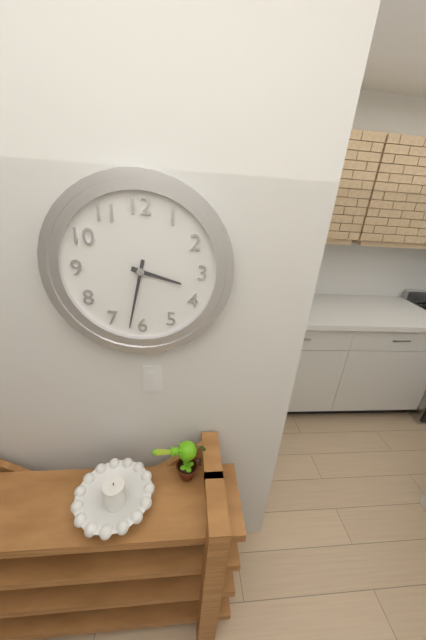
3h32
